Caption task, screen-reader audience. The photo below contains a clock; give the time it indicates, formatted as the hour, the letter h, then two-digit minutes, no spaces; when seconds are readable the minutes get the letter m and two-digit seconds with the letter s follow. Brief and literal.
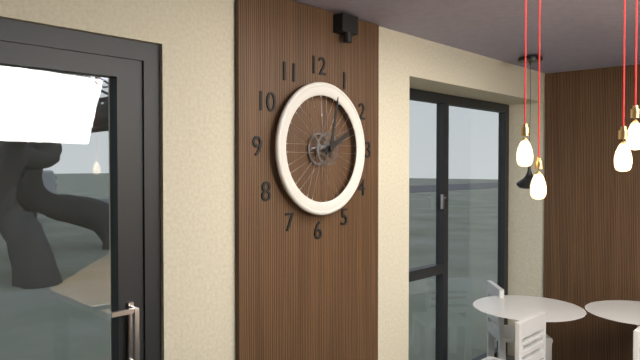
2h02
